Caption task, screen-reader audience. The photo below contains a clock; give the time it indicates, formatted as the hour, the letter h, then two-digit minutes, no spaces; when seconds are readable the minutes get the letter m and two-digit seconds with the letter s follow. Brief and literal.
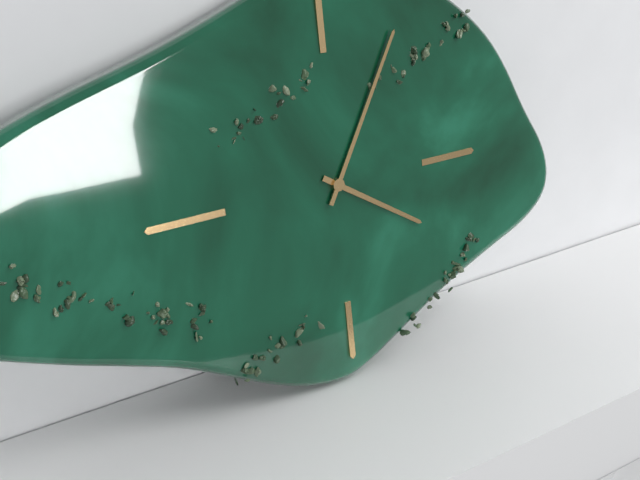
4h05
